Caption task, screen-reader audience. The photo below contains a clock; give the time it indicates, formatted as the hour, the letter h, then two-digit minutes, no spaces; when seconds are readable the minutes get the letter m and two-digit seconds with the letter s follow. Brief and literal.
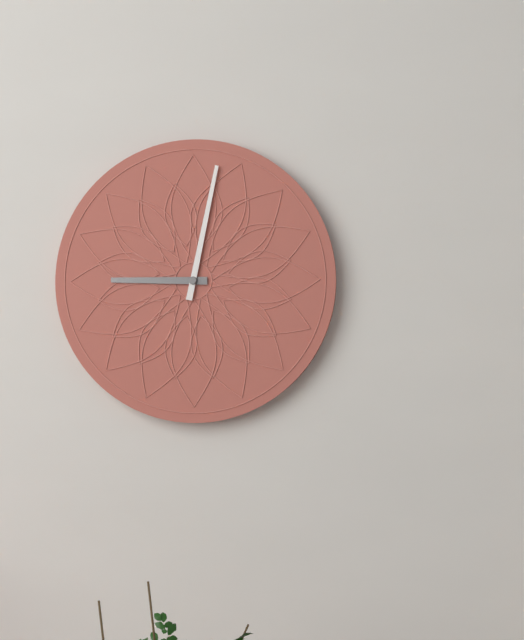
9h02
